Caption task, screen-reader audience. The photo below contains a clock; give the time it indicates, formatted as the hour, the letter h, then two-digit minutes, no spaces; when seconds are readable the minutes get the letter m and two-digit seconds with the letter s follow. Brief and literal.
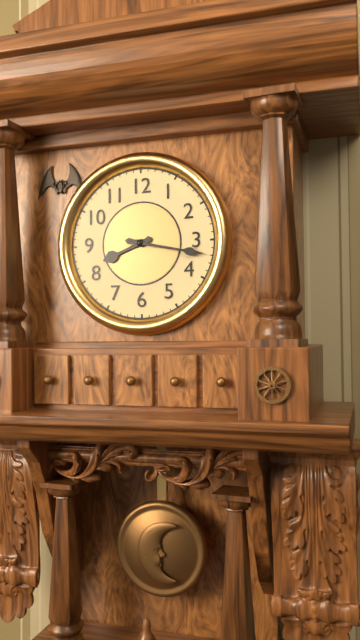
8h17
